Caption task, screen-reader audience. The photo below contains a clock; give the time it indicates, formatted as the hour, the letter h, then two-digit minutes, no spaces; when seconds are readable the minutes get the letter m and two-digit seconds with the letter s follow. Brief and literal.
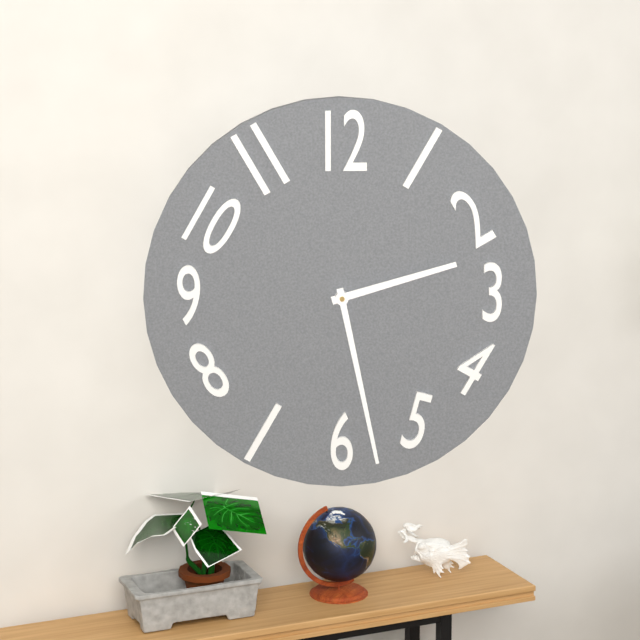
2h28
